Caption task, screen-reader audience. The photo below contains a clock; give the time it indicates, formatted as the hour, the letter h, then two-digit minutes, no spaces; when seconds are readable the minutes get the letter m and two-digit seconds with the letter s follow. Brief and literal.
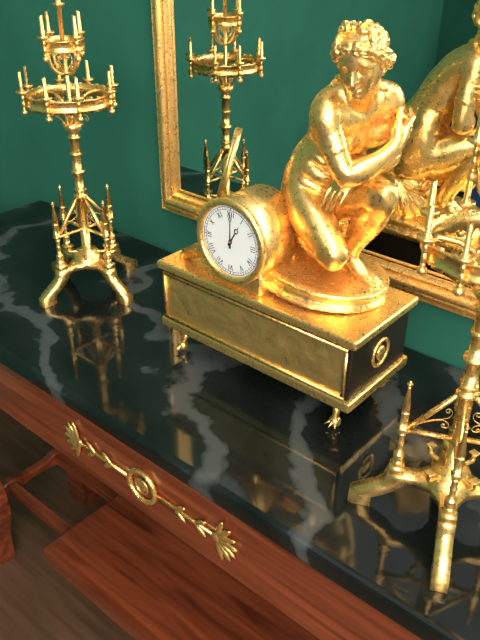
1h00
